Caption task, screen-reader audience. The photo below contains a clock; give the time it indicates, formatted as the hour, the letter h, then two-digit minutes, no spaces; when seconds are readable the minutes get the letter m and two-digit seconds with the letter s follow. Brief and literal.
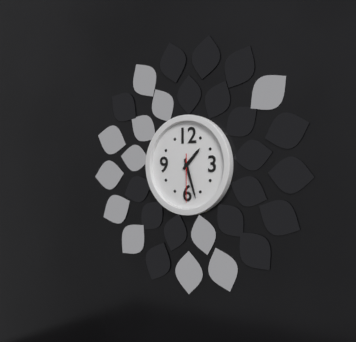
1h27
